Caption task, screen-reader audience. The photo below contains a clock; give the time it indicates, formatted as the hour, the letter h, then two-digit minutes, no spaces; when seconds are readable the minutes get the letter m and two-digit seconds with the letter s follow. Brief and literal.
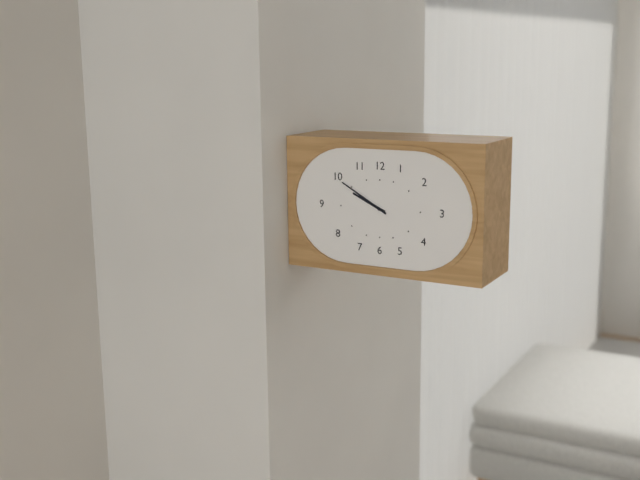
9h50
